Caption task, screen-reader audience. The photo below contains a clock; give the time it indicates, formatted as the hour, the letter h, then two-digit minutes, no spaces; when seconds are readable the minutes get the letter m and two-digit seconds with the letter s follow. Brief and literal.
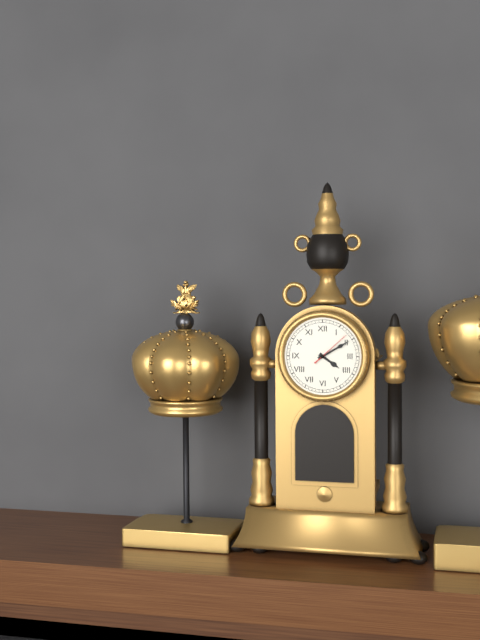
4h10
